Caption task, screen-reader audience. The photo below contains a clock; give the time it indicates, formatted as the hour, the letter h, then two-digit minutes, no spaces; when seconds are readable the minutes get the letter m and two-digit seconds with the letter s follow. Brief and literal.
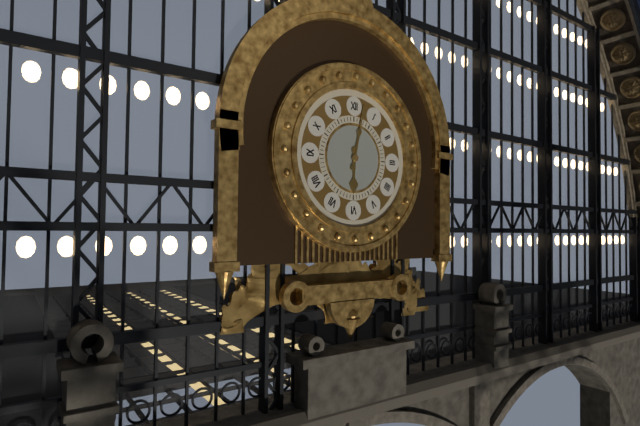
6h02
